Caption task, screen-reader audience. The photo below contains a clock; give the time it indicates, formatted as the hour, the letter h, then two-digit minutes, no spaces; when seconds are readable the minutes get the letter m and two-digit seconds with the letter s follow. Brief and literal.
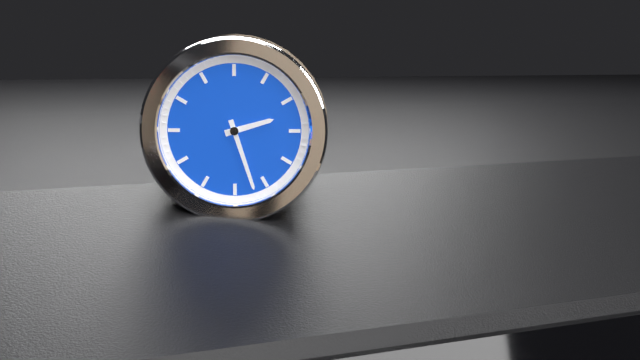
2h27
